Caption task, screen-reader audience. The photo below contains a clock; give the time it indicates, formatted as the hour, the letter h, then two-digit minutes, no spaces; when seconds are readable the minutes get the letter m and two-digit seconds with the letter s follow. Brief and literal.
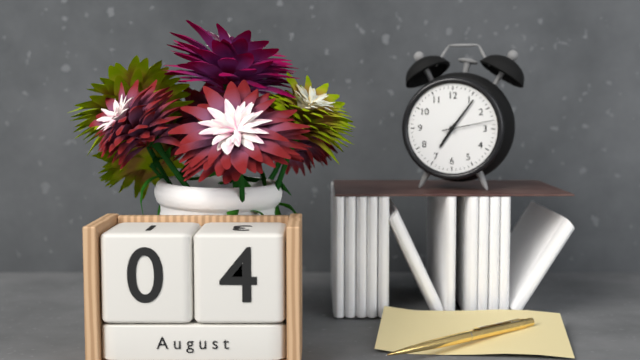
7h06
